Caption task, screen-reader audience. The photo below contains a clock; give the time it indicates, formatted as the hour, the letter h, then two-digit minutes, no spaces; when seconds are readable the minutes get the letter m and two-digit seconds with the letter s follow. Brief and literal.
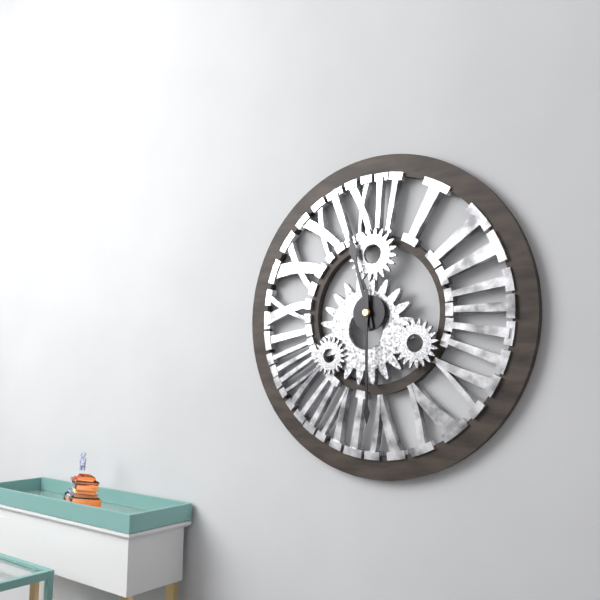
11h30
